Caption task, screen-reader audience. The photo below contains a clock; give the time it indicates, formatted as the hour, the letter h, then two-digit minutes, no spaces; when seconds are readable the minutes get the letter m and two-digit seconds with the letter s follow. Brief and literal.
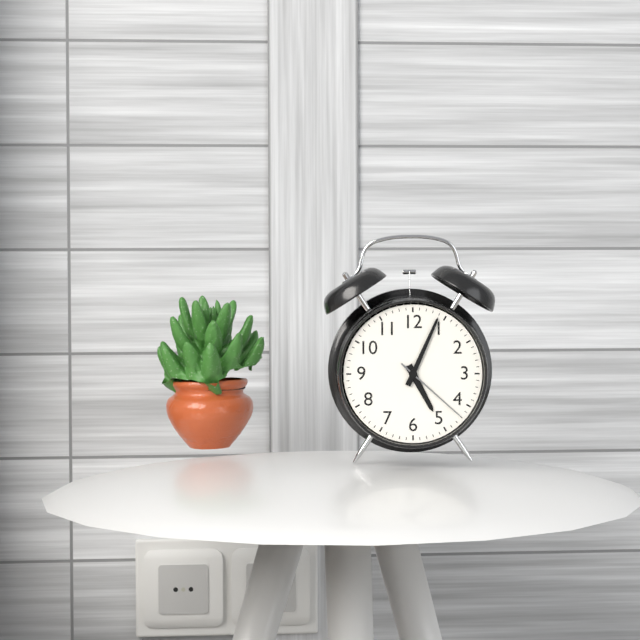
5h04m22s
